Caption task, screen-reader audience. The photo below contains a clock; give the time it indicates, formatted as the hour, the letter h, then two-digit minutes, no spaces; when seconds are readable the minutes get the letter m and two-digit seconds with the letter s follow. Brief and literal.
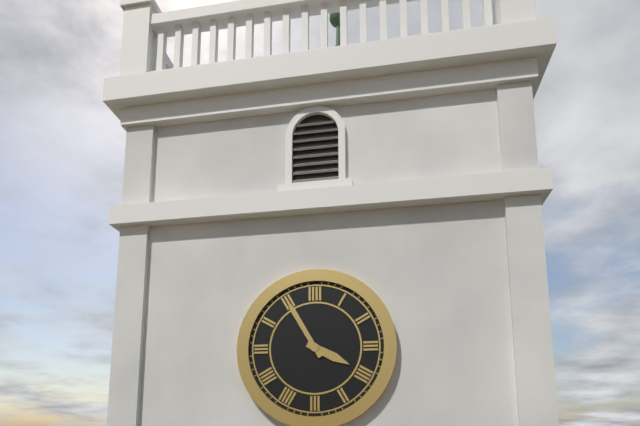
3h55
